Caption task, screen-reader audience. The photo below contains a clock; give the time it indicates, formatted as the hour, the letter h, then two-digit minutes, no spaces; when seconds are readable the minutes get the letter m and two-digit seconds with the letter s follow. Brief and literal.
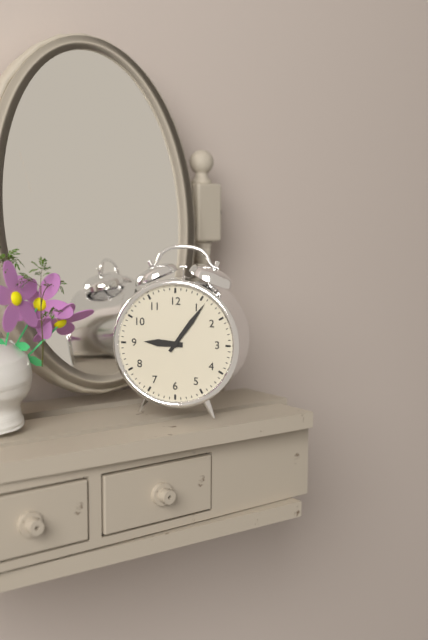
9h06
